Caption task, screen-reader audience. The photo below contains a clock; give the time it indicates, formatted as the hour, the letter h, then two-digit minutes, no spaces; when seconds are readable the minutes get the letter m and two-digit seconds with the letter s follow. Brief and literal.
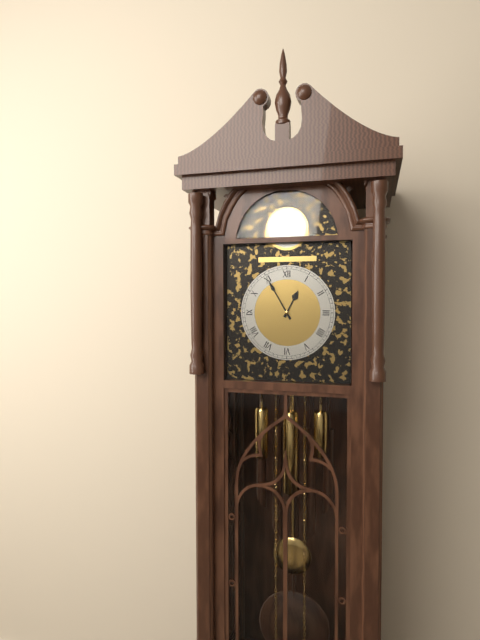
12h55
